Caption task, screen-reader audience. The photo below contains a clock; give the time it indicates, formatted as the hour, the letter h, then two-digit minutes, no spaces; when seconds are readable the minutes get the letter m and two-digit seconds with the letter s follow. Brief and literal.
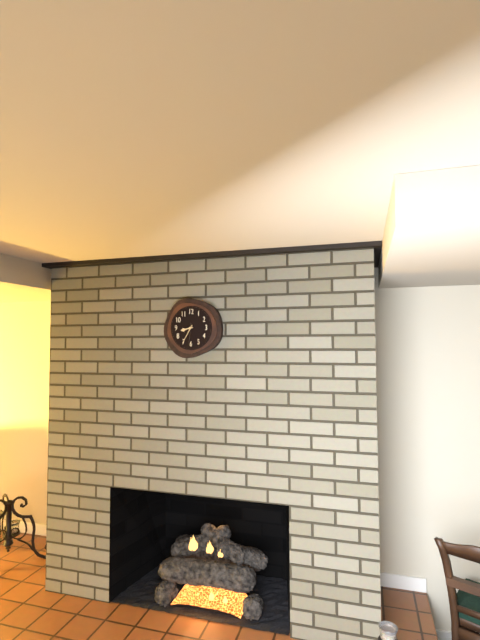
8h35
